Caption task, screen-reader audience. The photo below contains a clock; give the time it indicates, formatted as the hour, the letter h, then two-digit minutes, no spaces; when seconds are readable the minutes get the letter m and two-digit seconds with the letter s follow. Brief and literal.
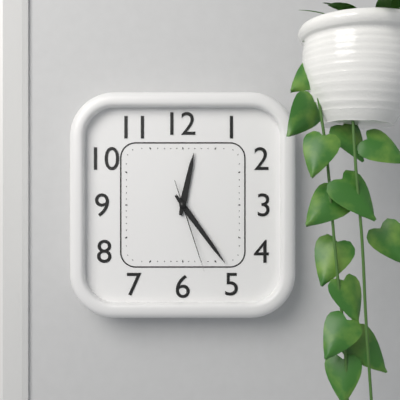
12h24m27s
